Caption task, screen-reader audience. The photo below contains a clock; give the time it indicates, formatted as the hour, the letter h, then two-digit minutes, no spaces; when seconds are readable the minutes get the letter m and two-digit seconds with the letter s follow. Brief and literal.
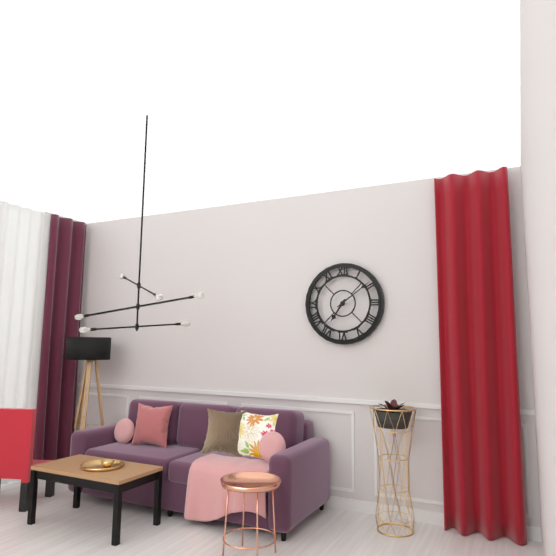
7h09
